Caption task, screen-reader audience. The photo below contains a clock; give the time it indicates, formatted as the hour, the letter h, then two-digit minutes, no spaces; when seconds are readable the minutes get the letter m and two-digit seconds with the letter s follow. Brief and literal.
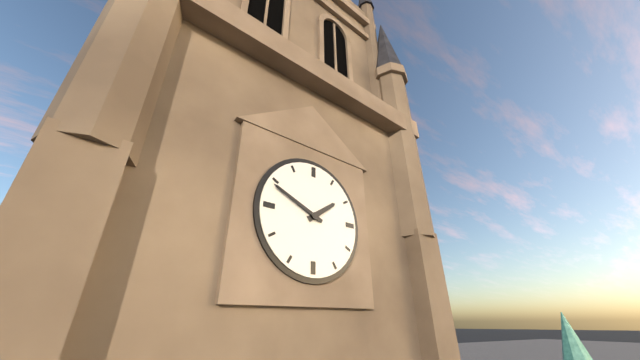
1h49
